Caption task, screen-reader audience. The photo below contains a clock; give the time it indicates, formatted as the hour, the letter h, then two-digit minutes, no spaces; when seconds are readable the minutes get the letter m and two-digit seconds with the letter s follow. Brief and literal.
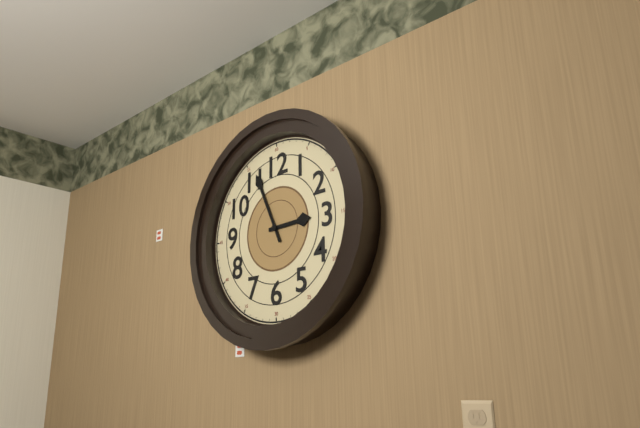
2h56
